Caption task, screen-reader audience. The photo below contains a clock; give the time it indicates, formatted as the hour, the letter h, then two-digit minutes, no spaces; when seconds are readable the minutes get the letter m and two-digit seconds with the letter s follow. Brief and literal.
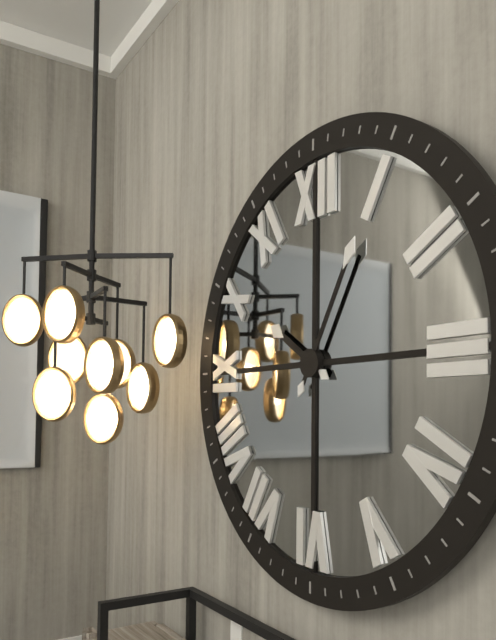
10h05
